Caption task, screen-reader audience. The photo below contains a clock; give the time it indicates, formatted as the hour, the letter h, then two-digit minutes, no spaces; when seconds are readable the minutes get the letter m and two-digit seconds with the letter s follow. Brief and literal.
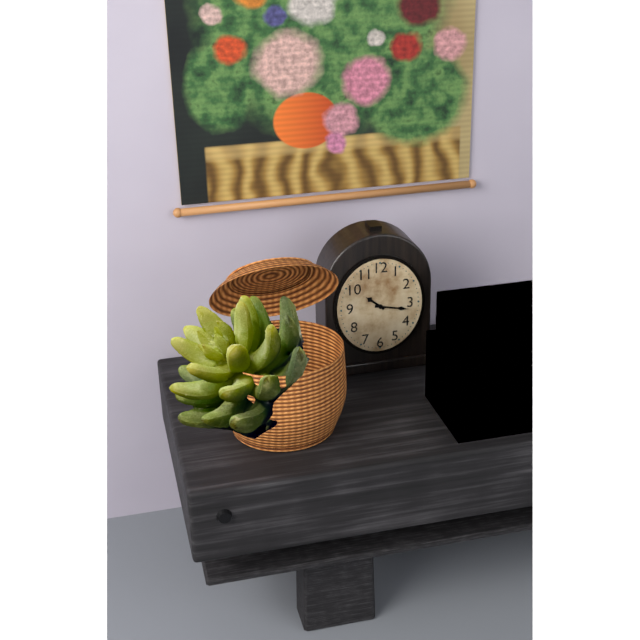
10h17
